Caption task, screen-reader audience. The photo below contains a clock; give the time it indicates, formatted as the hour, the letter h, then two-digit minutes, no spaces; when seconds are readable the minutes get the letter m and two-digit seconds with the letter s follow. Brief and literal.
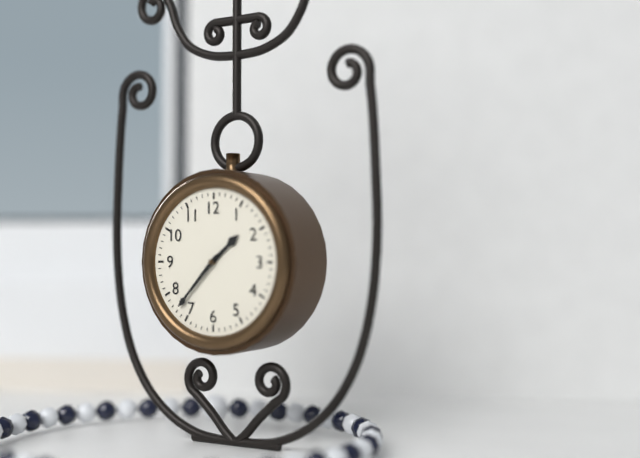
1h37
